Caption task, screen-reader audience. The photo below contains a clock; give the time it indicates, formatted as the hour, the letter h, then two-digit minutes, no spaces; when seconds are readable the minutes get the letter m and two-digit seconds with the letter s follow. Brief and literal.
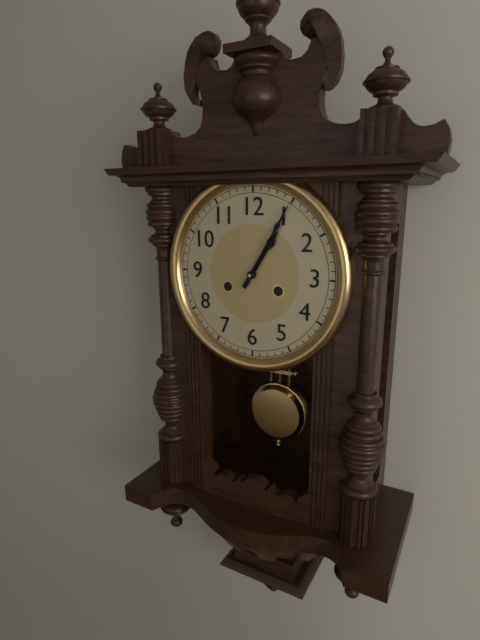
1h05
